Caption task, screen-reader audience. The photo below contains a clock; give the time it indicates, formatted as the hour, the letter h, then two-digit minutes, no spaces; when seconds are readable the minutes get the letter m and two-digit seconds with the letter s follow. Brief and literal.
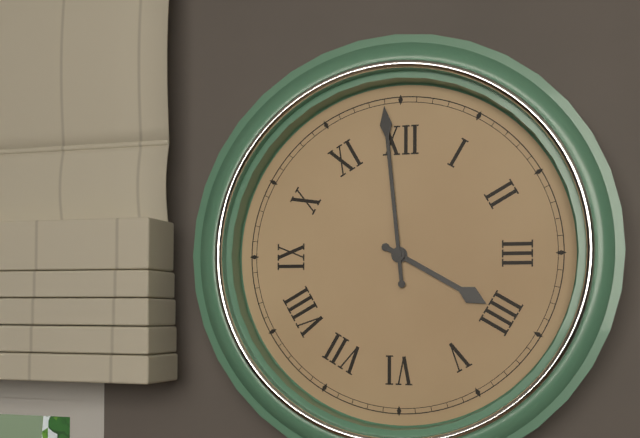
3h59
